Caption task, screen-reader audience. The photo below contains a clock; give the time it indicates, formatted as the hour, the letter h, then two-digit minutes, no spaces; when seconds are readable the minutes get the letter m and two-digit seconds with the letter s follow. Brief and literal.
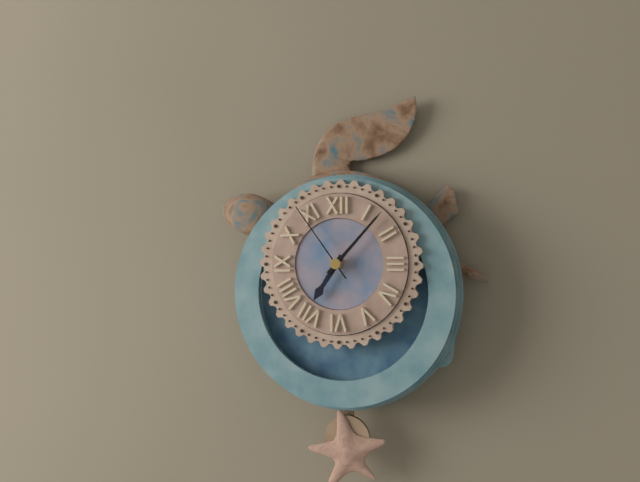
7h07m54s
